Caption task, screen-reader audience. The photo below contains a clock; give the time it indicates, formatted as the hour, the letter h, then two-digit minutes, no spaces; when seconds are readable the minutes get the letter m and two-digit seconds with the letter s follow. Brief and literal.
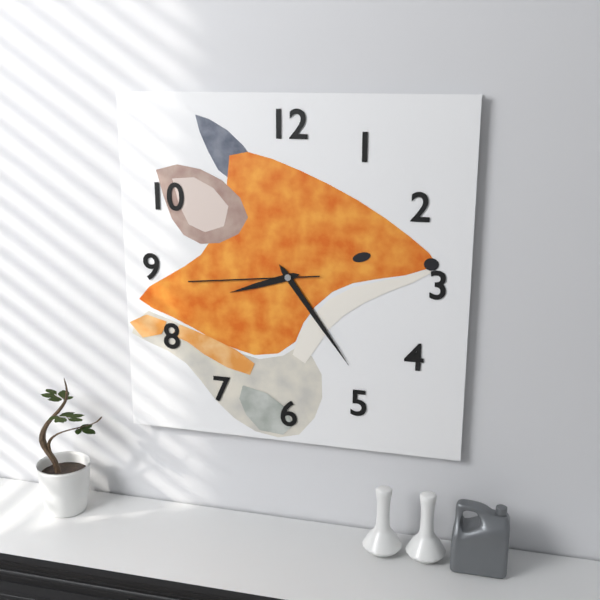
8h24m44s
